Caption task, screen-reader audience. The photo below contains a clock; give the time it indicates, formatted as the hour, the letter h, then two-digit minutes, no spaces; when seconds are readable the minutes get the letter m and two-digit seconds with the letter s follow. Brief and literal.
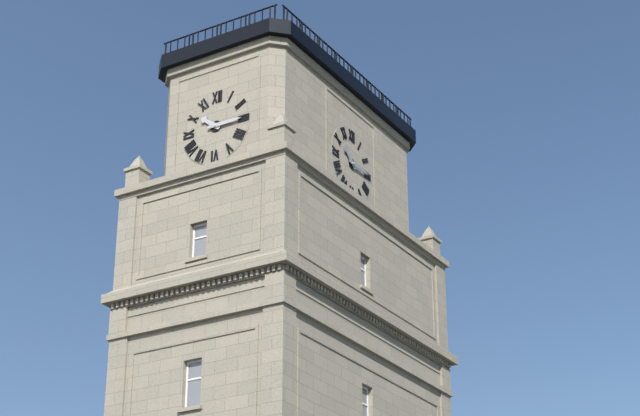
10h15
